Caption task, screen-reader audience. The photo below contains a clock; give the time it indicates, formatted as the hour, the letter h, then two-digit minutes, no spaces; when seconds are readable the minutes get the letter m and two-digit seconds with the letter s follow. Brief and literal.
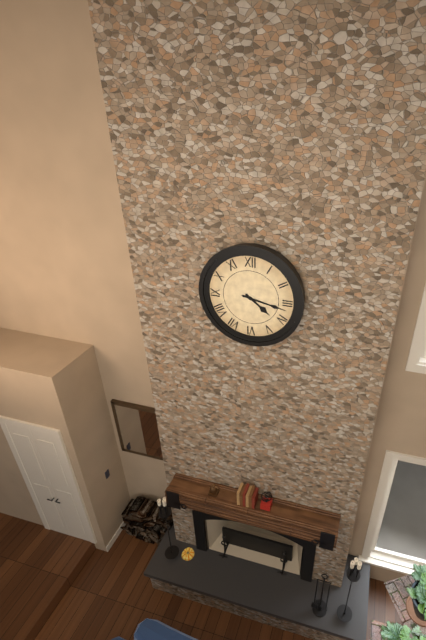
4h17
